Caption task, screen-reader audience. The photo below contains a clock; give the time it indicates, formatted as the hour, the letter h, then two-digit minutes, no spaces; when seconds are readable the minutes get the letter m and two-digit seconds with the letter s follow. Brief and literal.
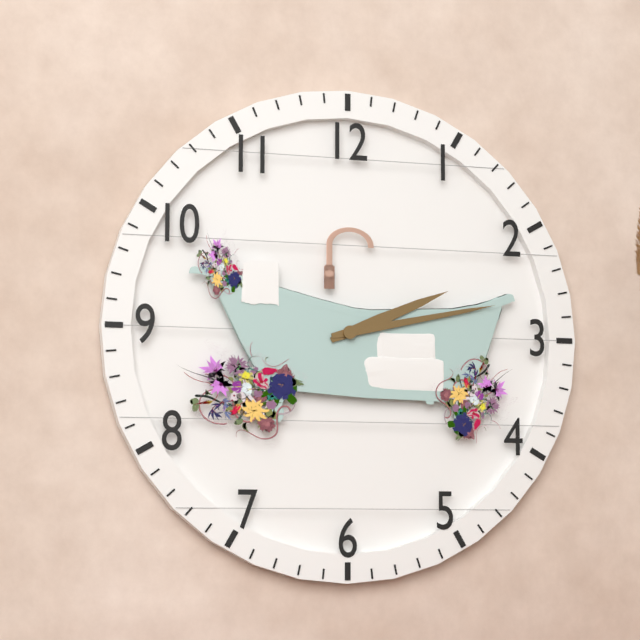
2h13
